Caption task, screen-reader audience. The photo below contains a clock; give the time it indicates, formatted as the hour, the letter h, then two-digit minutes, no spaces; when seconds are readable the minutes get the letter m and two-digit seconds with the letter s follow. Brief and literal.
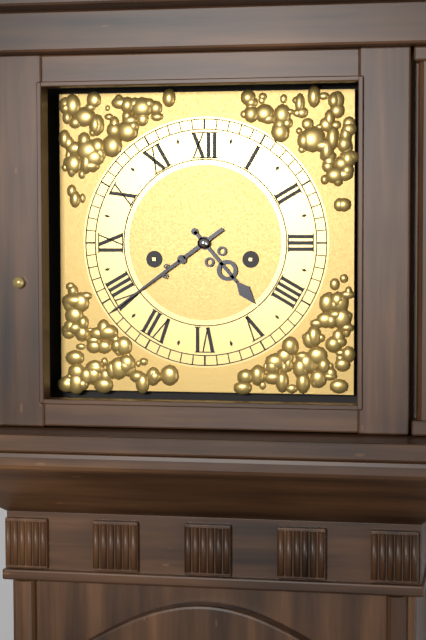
4h39
